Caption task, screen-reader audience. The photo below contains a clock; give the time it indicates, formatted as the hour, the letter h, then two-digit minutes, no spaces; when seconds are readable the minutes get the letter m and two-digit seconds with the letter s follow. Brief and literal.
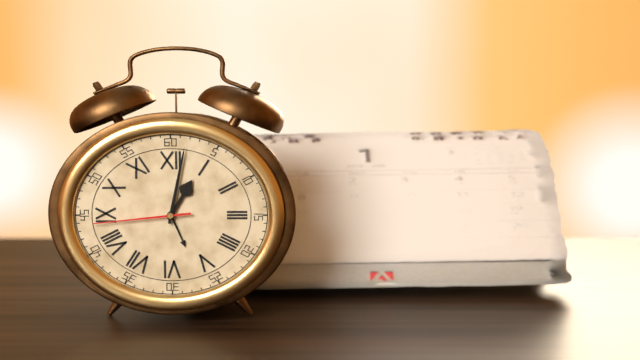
1h02m44s
